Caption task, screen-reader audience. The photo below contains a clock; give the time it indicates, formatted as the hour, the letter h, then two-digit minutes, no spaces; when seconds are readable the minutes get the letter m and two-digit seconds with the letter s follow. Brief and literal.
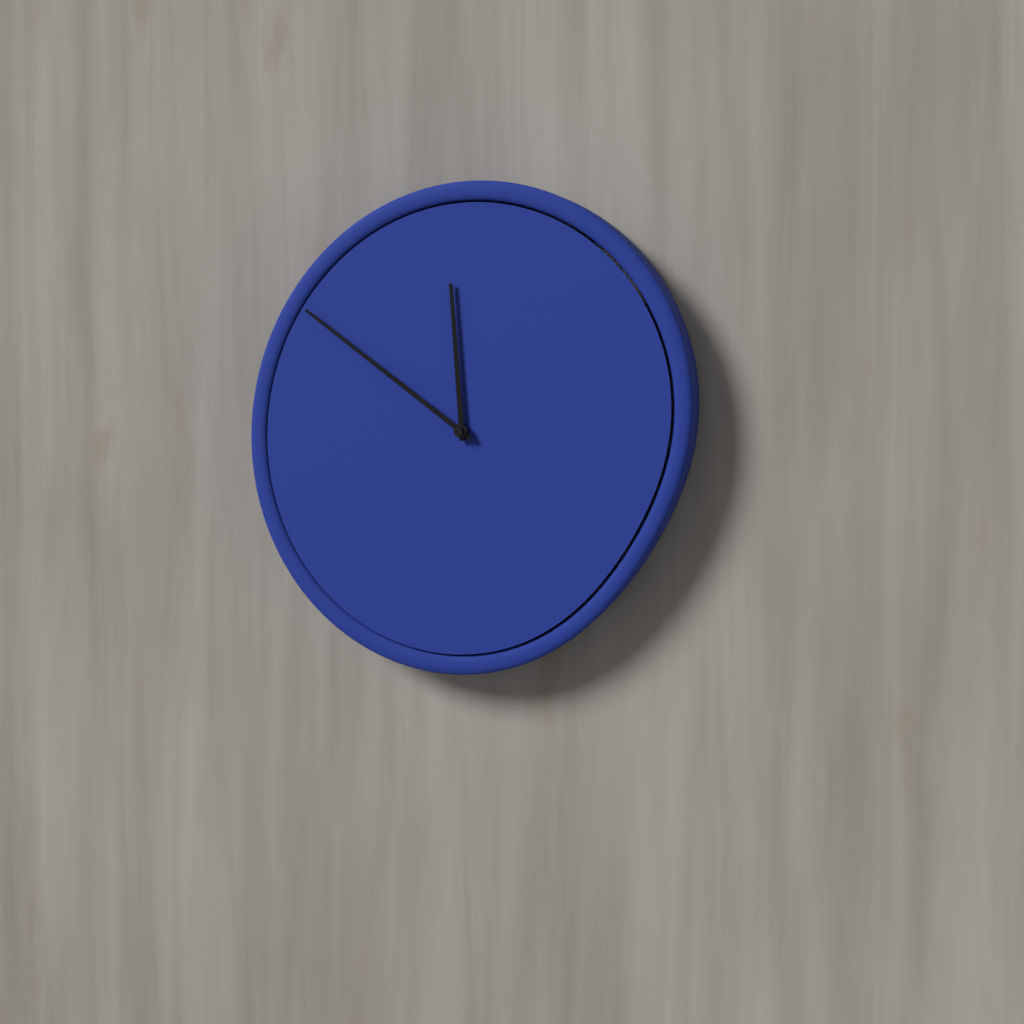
11h51
